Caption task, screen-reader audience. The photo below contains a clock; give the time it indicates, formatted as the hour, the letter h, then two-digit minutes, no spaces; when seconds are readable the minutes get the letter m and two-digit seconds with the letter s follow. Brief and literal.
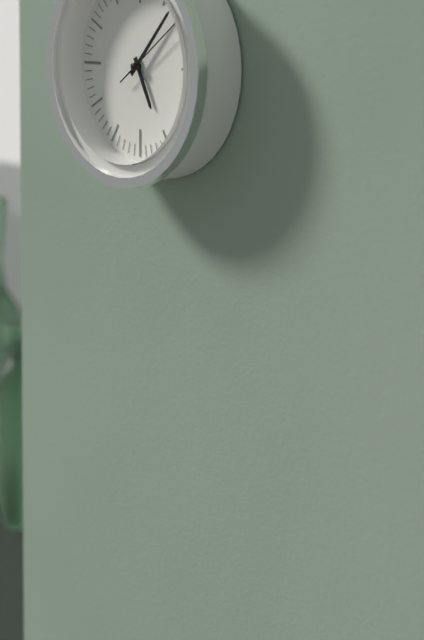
5h07m09s
